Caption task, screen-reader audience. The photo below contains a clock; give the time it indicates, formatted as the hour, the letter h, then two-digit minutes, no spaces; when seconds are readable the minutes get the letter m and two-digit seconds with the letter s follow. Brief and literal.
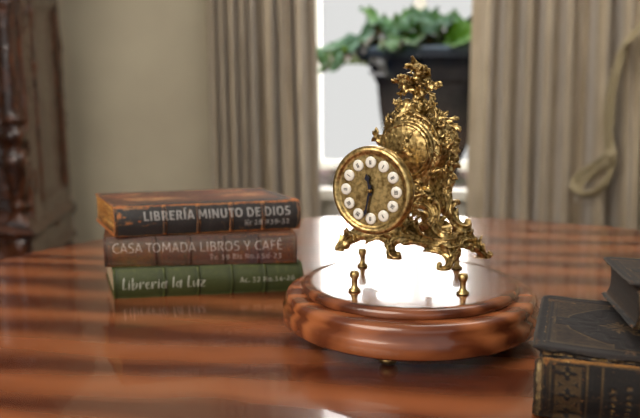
11h32
